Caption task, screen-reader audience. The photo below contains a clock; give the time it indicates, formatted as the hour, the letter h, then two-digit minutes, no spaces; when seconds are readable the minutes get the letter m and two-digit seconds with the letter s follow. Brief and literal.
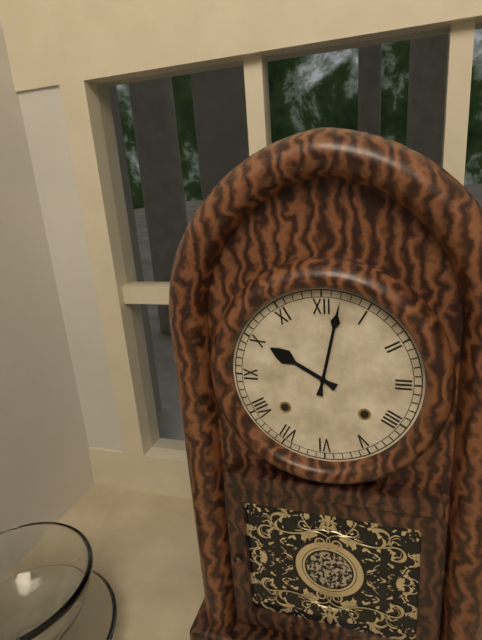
10h02
